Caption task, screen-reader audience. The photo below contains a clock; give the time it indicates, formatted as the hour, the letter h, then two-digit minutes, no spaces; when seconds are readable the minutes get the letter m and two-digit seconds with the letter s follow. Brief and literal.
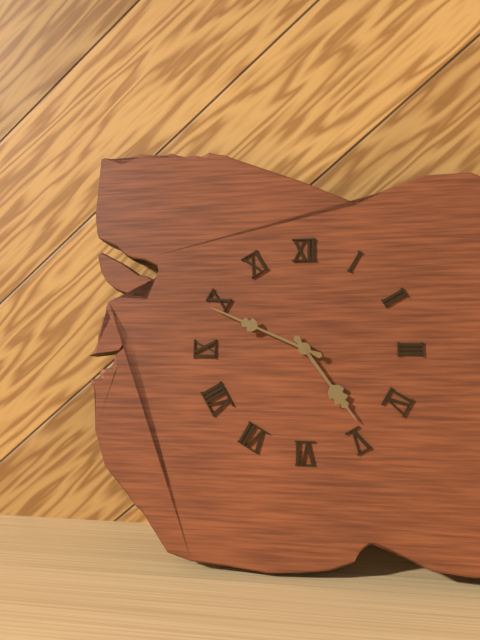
4h49
